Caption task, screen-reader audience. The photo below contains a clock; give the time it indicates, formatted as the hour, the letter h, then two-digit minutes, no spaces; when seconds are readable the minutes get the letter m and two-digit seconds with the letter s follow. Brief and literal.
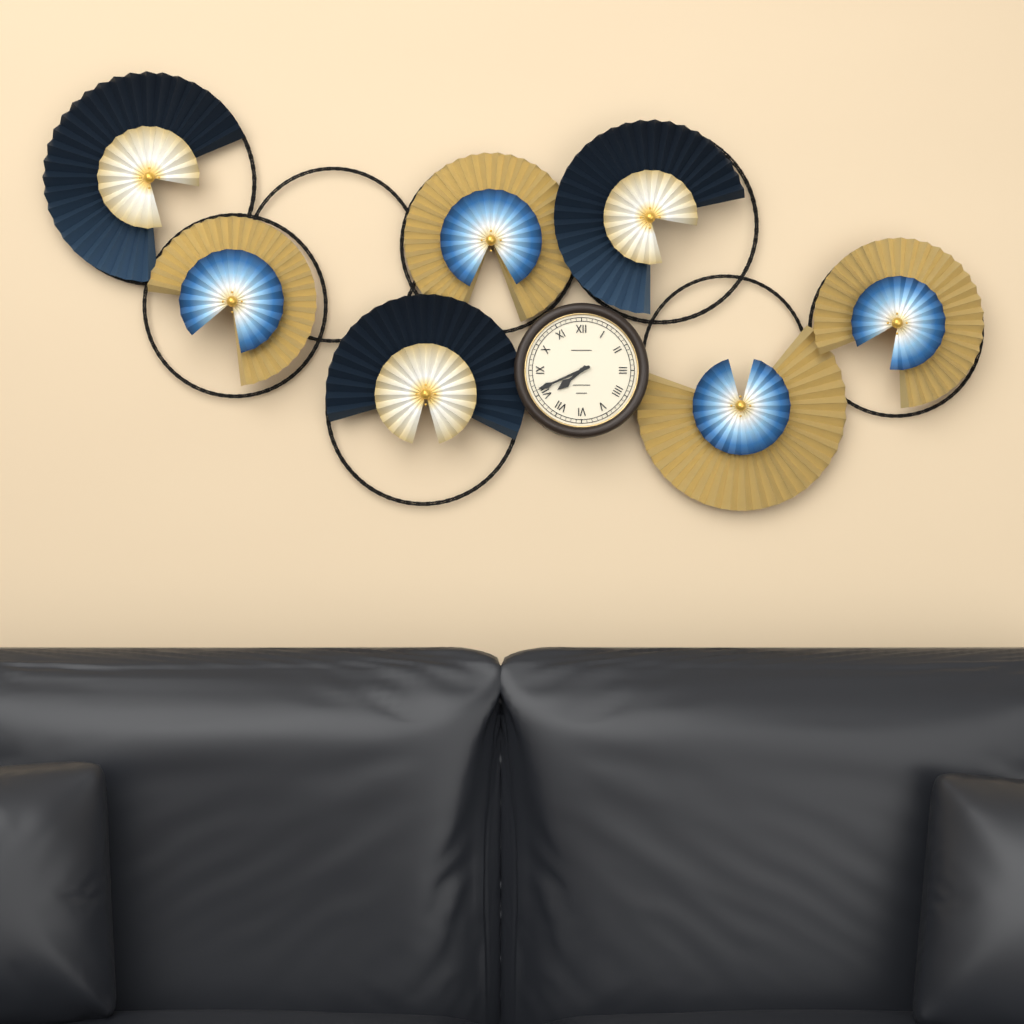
7h41
